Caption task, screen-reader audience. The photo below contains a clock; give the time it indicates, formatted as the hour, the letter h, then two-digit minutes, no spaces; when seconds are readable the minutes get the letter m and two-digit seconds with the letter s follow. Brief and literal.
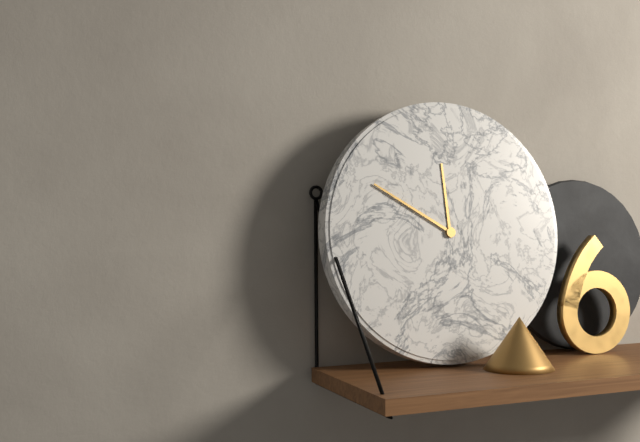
11h50
